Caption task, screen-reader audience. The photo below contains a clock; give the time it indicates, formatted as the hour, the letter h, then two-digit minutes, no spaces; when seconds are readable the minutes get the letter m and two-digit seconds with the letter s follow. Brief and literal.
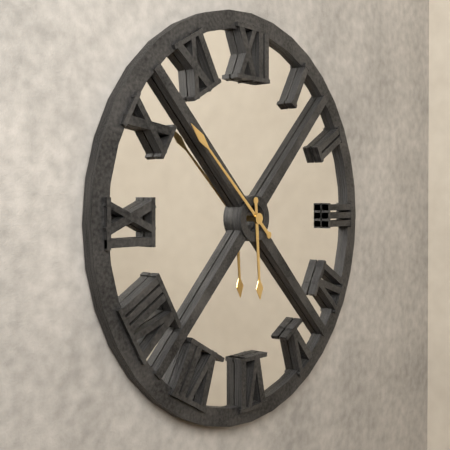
5h52
